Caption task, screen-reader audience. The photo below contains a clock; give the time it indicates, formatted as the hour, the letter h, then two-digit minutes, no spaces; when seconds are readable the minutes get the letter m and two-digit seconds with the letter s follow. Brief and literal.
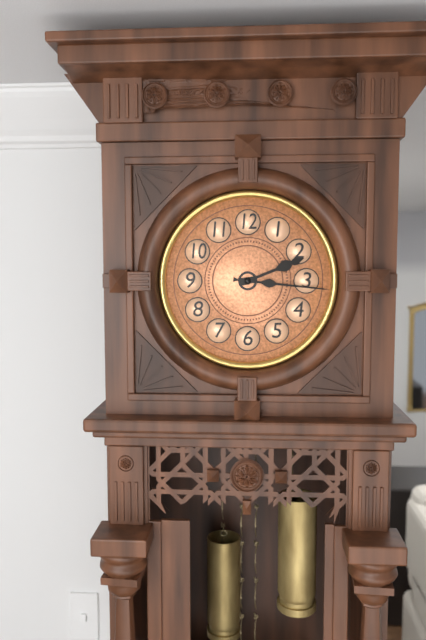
2h16
